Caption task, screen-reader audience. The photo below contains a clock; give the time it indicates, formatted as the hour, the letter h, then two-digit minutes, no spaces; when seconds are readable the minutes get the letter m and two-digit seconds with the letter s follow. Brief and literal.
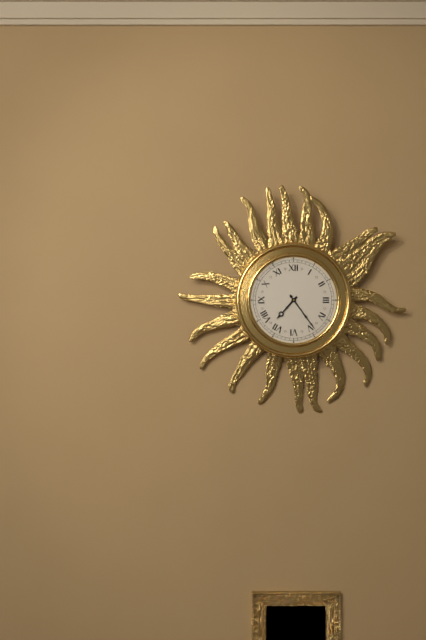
7h24
